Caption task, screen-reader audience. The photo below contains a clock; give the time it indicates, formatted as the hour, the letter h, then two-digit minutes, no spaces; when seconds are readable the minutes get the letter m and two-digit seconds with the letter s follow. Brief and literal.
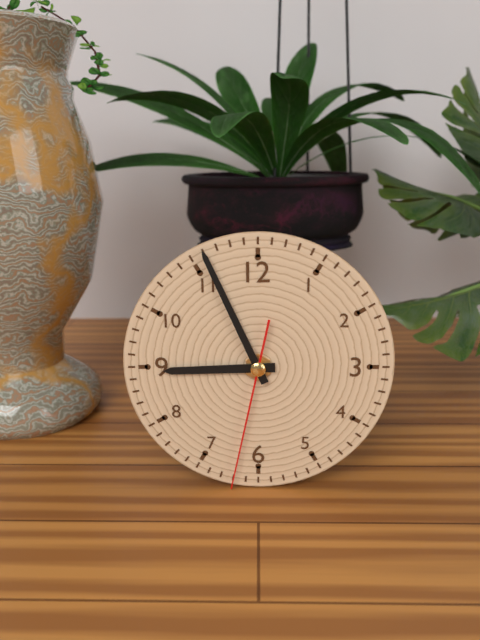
8h56m32s
